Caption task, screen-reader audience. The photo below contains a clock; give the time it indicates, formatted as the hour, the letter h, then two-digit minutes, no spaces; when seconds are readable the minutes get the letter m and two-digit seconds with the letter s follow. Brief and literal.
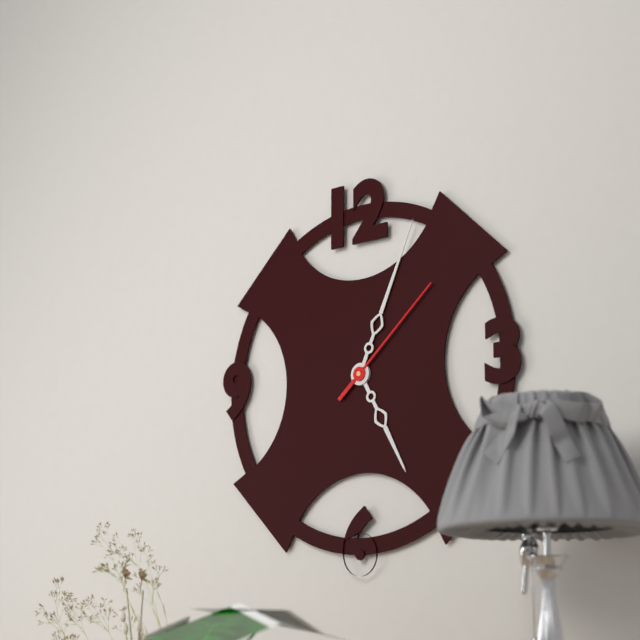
5h04m08s
